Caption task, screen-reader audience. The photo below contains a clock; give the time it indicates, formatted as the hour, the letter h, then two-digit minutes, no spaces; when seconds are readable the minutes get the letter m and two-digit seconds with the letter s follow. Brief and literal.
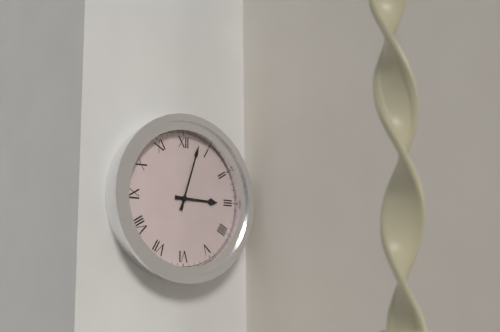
3h03
